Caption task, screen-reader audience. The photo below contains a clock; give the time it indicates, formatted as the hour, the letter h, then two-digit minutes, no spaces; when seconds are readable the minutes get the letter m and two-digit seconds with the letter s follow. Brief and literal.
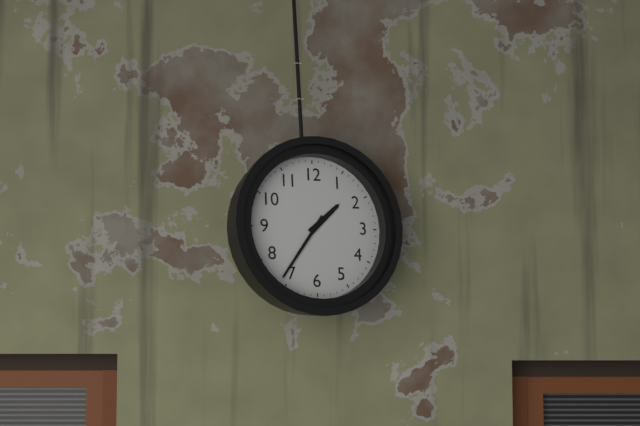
1h36
